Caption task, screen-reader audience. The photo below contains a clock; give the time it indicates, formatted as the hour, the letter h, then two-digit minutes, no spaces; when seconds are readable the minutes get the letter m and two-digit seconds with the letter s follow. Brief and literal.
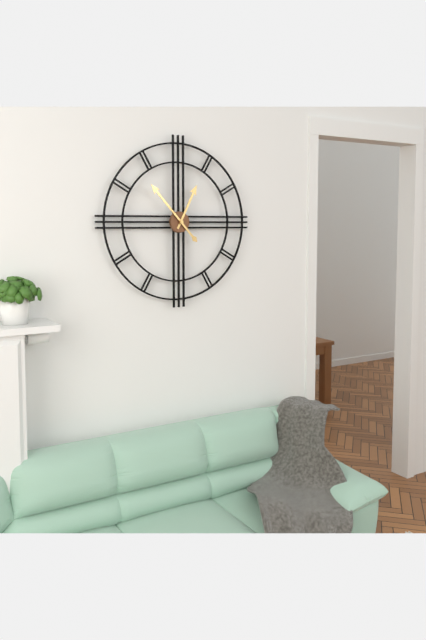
12h53
